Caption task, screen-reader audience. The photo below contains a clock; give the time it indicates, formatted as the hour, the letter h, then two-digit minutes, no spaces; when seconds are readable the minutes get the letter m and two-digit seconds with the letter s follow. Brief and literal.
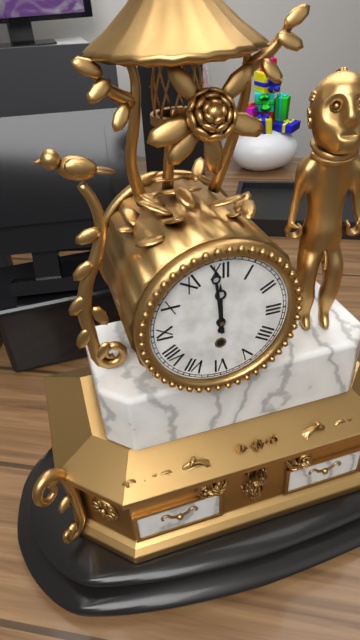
11h59
